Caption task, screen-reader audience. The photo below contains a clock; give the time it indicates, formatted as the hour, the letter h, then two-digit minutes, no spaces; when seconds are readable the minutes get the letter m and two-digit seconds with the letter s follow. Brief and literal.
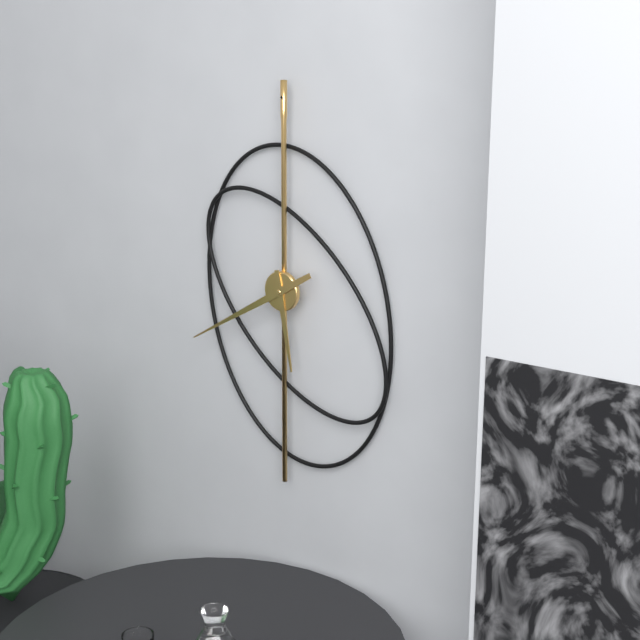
5h40
